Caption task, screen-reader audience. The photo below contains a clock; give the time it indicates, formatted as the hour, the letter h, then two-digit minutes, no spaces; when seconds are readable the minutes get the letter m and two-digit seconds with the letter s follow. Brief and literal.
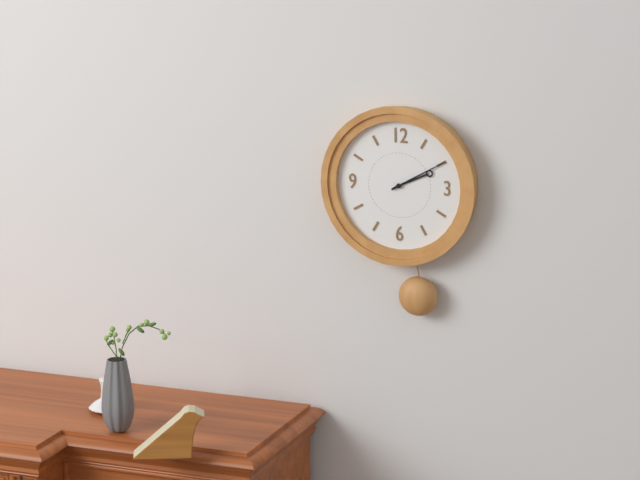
2h10
